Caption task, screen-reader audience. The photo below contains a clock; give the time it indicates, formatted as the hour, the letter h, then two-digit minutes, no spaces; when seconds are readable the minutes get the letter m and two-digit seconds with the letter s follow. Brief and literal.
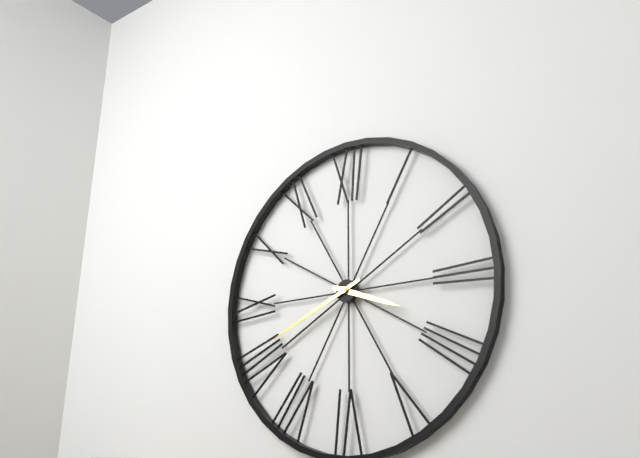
3h41
